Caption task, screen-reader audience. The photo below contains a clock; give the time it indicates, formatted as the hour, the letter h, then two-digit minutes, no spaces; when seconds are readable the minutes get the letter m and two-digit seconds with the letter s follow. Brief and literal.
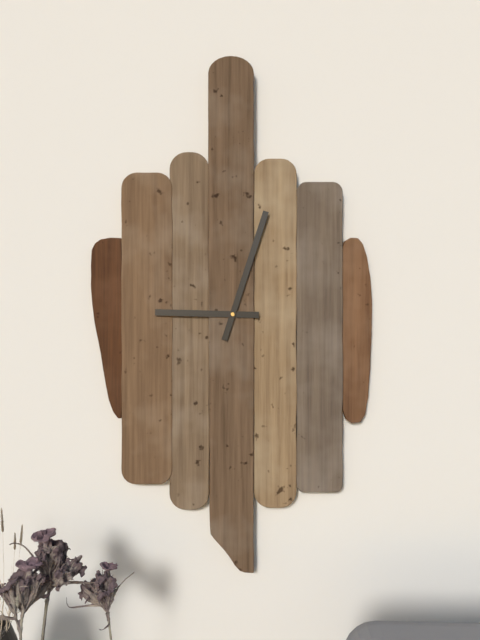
9h03
